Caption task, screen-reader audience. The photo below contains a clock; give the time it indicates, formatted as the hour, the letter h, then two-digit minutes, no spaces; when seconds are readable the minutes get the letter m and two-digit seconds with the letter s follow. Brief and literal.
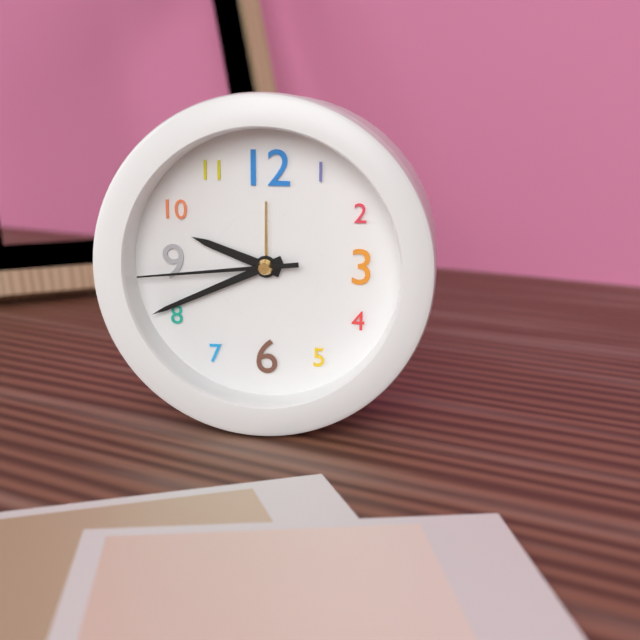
9h41m44s
